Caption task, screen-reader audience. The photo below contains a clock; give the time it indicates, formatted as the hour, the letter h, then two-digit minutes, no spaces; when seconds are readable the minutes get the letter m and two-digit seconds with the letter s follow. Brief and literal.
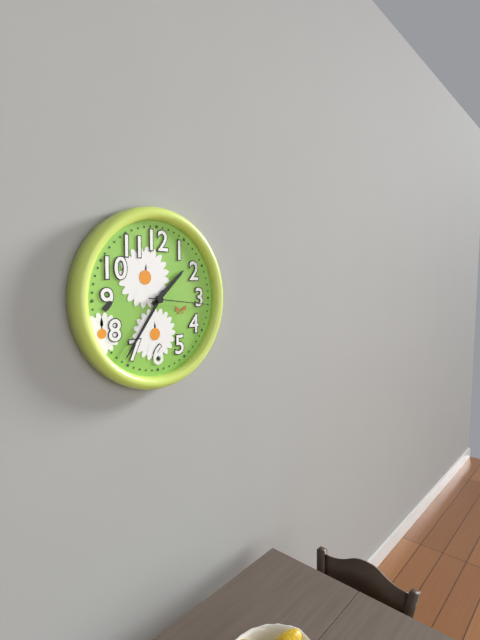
1h36m16s
